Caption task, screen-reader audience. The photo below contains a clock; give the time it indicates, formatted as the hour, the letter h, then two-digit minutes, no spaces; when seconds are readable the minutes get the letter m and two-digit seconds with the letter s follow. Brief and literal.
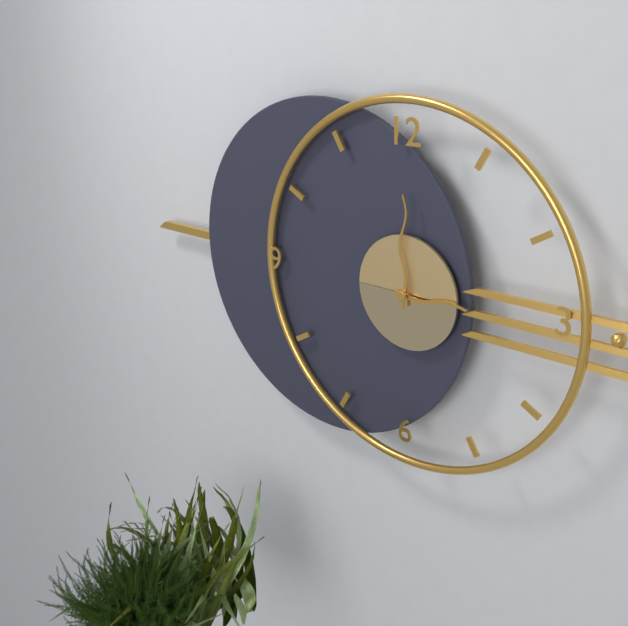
3h00
